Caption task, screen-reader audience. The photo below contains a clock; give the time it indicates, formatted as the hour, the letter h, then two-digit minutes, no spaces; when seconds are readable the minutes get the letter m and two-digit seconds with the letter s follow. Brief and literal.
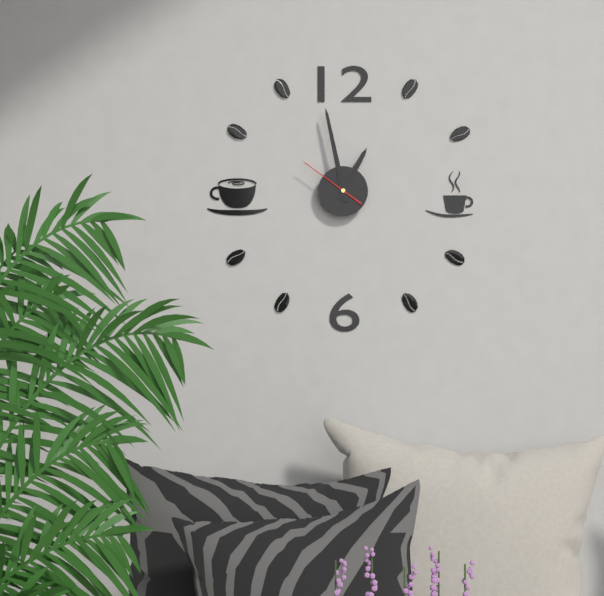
12h58m51s
